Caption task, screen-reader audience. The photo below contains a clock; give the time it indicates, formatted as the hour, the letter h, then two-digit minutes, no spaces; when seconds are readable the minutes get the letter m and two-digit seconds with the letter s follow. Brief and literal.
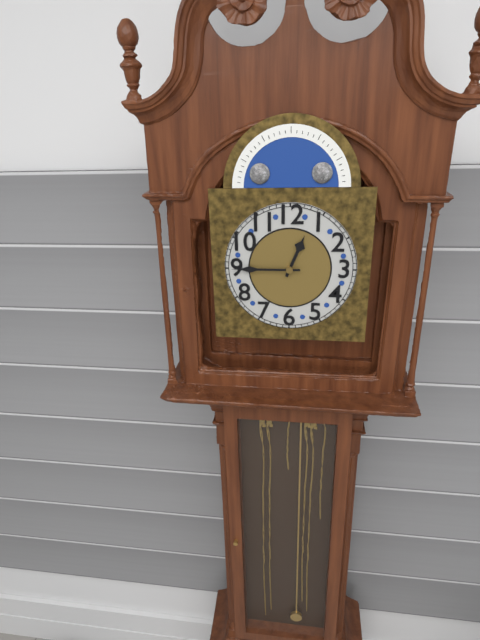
12h45
